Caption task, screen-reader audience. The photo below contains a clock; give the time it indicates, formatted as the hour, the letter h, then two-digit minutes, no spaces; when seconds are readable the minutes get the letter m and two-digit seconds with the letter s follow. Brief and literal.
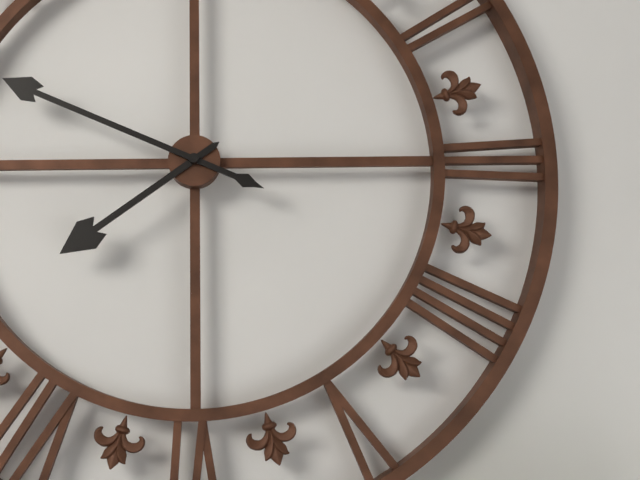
7h49
